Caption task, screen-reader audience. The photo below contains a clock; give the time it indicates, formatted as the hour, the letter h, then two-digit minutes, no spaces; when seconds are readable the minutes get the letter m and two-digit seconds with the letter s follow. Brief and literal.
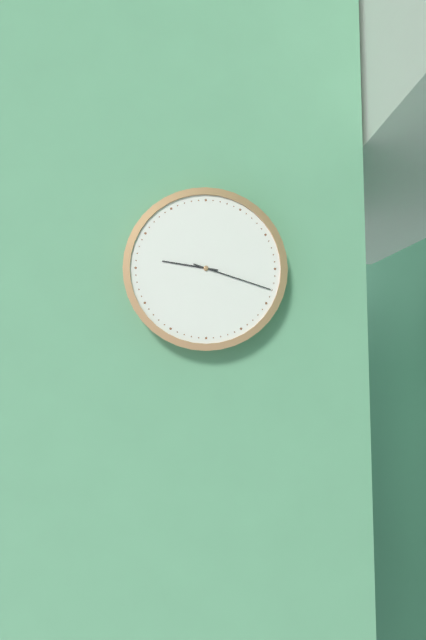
9h18
